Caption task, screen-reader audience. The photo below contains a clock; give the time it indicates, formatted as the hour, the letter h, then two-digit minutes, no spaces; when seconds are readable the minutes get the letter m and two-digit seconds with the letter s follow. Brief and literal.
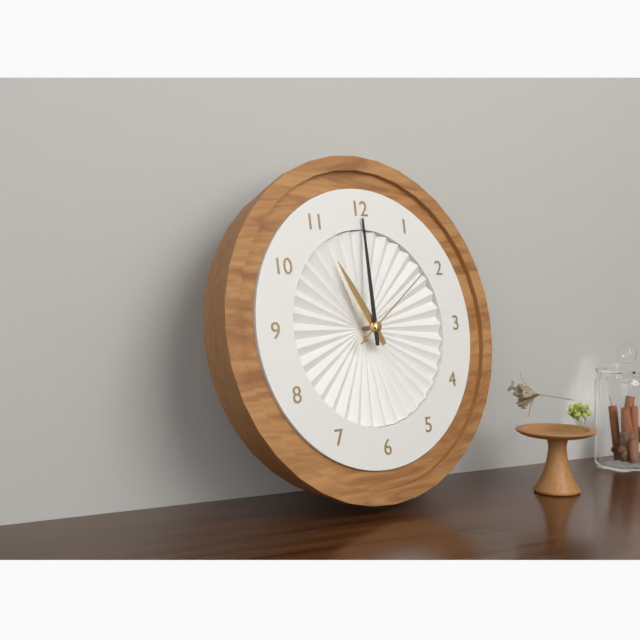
11h00m09s
